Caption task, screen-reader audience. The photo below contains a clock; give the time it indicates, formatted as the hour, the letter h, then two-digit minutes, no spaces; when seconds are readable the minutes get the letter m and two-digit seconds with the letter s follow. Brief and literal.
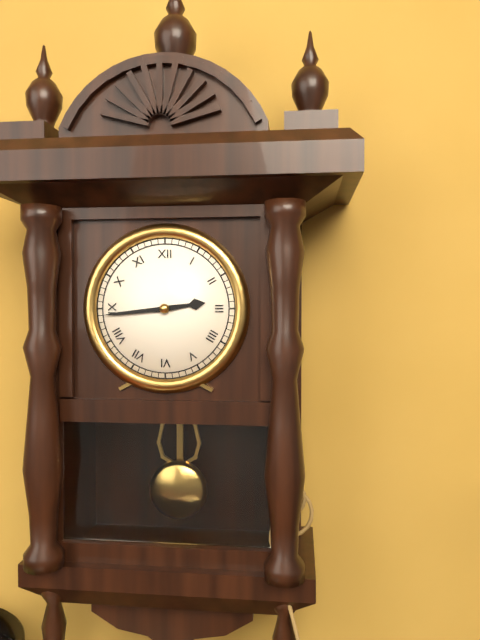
2h44
